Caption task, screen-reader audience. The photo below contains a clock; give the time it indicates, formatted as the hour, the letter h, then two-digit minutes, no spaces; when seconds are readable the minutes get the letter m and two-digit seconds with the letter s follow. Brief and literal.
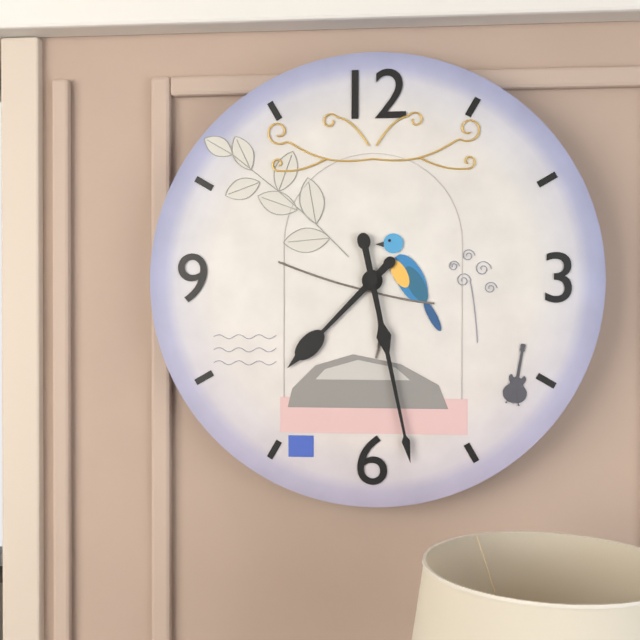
7h28
